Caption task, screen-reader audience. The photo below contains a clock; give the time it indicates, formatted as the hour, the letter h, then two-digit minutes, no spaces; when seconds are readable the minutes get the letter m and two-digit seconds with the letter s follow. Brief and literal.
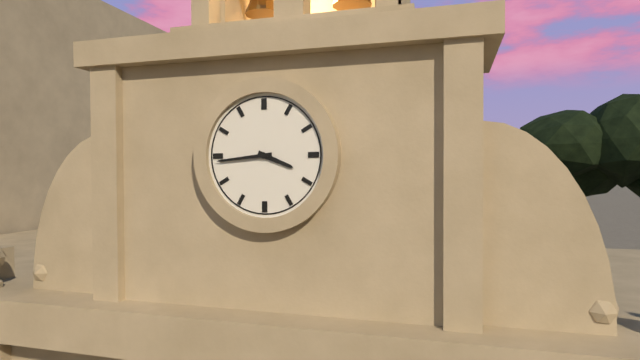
3h44
